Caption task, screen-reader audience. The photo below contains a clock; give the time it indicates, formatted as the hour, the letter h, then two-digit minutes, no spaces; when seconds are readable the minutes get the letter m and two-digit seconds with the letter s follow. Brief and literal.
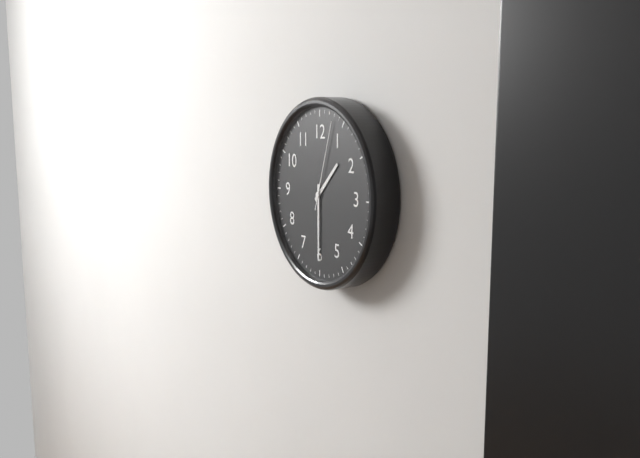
1h30m03s
